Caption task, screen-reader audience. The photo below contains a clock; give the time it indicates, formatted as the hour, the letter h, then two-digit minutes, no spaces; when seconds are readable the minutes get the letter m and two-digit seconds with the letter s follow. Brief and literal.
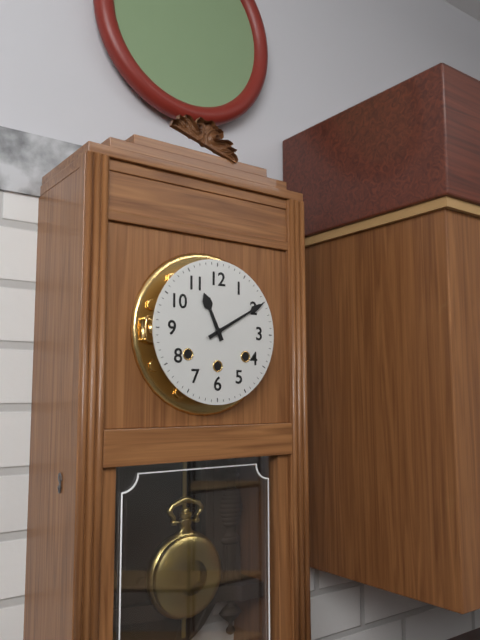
11h10
